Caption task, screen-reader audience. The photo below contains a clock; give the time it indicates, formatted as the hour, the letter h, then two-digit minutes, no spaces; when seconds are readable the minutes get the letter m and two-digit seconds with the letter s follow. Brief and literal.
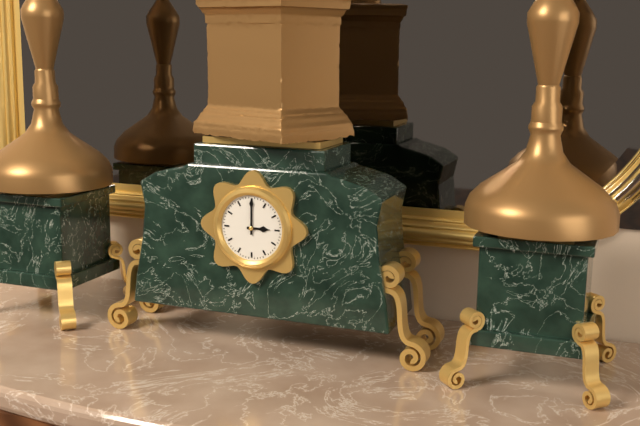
3h00
